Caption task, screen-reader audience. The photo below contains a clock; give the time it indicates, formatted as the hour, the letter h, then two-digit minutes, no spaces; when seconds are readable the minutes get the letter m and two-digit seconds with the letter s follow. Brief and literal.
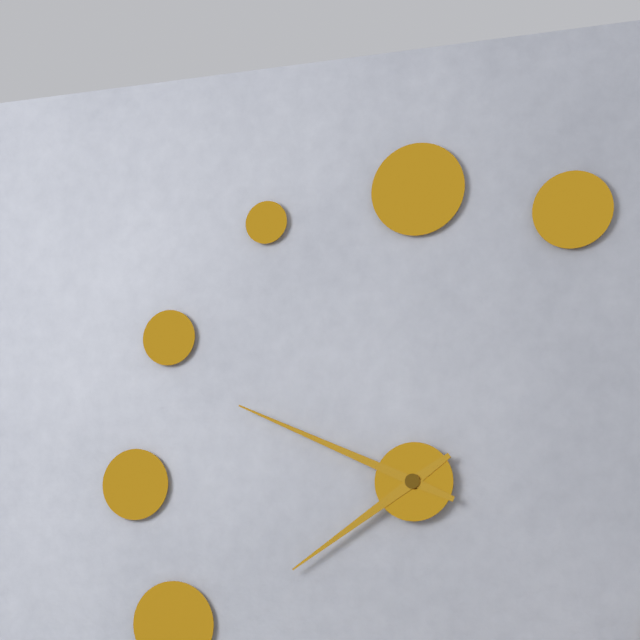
7h49
